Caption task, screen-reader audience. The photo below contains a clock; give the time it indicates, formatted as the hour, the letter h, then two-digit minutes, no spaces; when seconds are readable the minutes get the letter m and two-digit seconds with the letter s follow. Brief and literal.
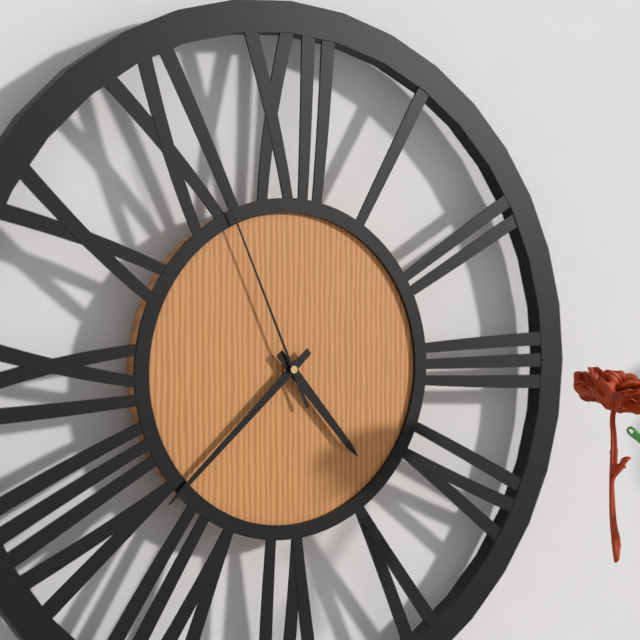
4h38m56s
